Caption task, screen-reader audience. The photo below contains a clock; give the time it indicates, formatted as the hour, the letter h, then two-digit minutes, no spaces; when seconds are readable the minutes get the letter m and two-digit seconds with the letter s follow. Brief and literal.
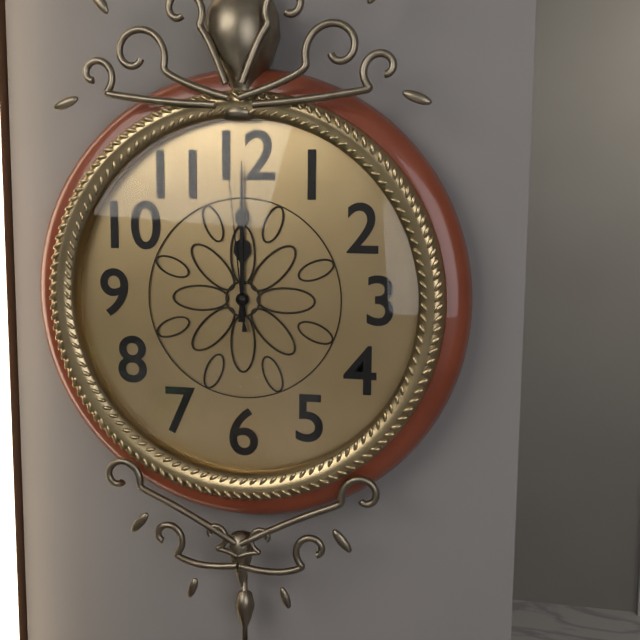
12h00m59s
